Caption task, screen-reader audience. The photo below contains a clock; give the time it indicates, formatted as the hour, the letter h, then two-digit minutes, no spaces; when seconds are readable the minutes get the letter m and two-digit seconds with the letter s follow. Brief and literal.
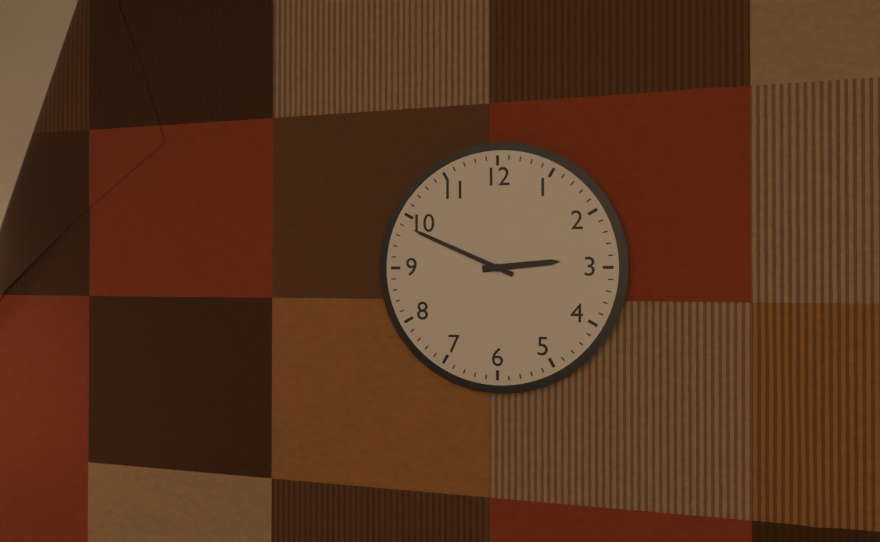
2h49
